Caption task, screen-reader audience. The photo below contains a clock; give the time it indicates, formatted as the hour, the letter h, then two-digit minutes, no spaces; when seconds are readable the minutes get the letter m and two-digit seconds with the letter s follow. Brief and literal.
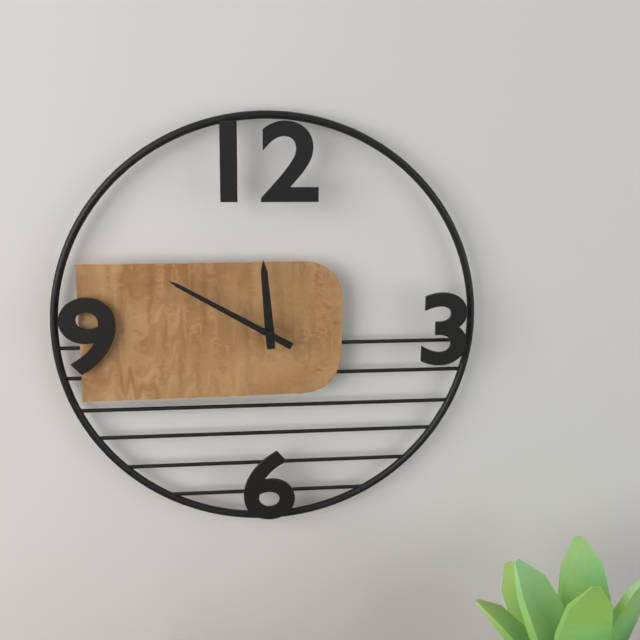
11h50
